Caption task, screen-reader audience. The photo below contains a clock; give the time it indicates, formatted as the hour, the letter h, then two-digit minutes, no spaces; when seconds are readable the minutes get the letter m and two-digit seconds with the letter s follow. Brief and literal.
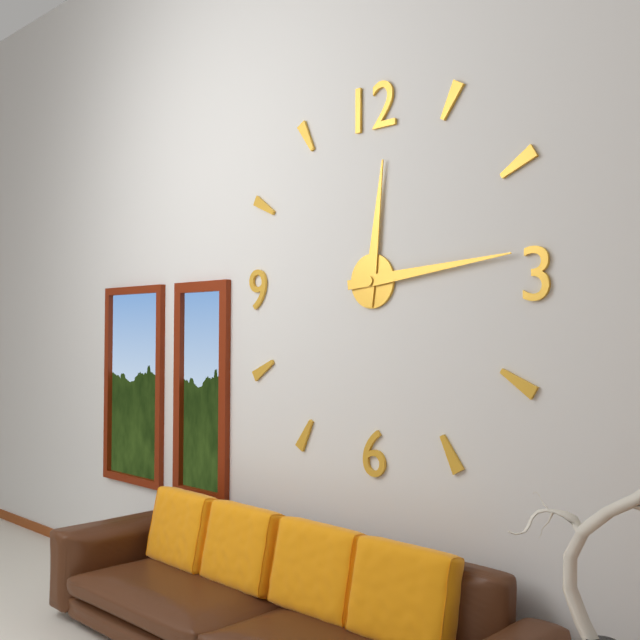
12h14
